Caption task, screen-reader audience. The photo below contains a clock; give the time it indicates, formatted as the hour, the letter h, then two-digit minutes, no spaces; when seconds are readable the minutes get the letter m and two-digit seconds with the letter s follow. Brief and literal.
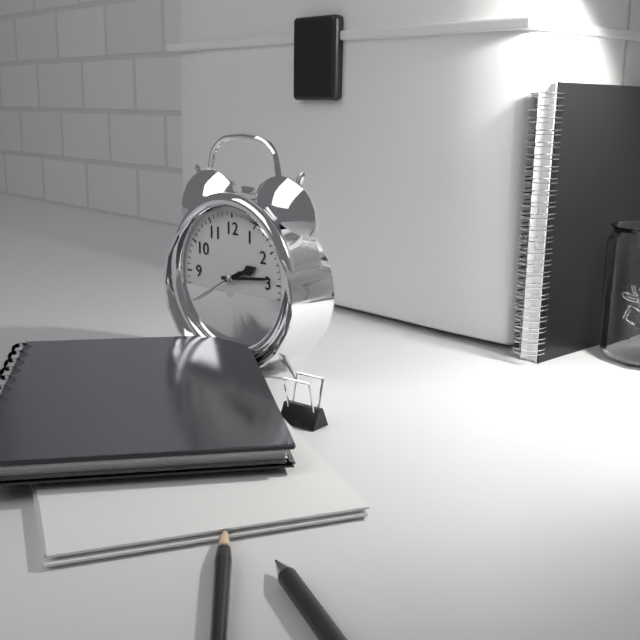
2h14m40s
